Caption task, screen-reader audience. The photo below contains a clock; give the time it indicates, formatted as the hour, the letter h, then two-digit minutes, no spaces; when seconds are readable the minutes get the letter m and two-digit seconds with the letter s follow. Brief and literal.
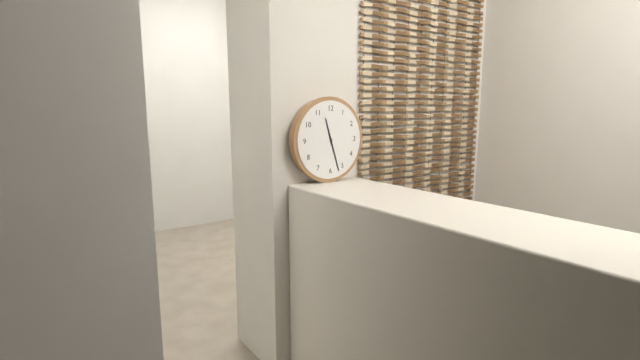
11h27
